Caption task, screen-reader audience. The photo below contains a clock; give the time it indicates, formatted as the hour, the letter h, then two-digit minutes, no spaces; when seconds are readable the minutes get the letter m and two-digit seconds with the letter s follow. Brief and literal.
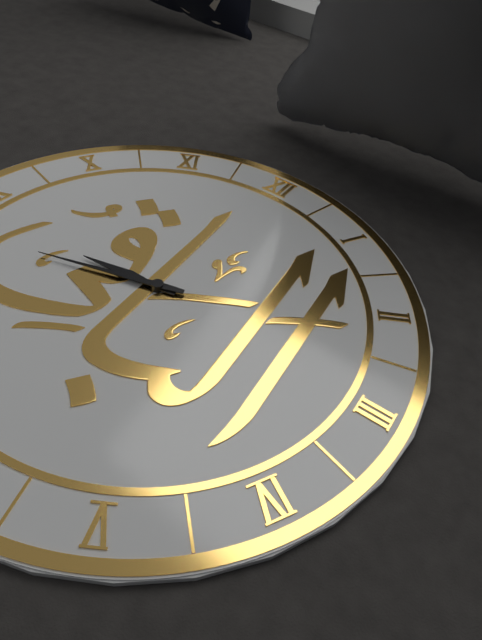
8h42
